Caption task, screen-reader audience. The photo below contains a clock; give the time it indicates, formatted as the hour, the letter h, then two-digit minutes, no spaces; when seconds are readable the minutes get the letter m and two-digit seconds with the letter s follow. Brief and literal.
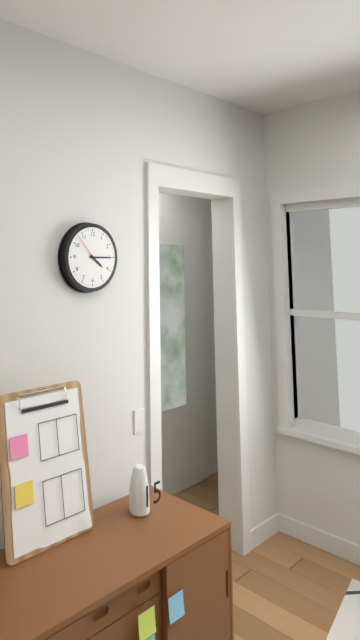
4h15
